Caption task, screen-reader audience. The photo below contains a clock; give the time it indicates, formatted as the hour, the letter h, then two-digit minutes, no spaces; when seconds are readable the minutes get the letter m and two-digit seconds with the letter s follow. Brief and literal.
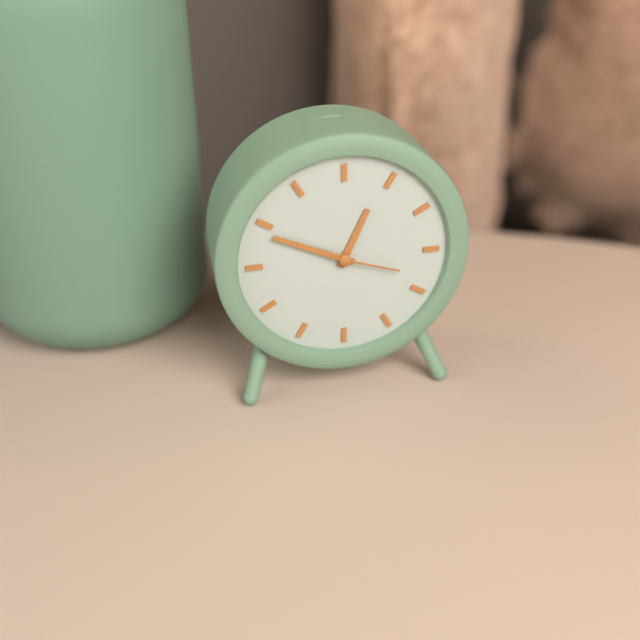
12h49m18s
